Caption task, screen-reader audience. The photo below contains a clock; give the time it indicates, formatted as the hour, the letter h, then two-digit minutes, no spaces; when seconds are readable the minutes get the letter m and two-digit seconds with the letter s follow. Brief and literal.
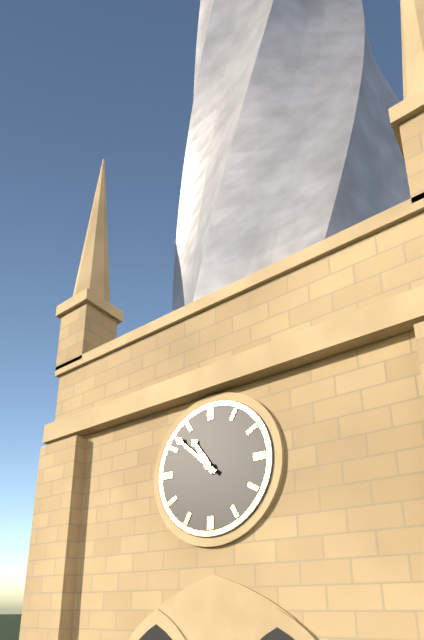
10h52
